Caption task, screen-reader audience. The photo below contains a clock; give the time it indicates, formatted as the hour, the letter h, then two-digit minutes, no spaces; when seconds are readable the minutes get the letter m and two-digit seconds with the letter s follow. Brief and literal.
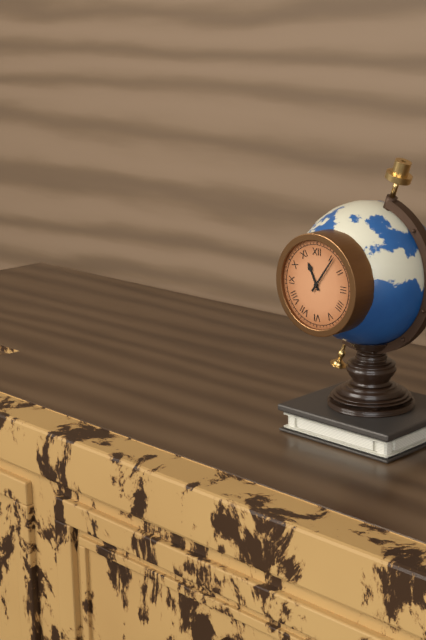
11h06
